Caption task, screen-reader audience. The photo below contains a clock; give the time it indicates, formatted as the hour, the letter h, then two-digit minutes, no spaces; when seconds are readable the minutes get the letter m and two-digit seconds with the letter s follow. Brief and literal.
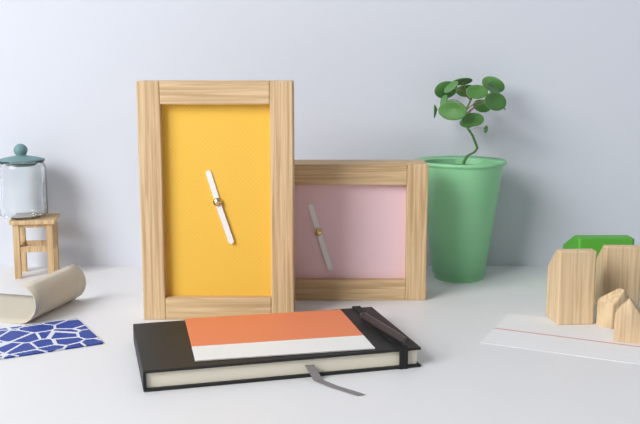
11h27
